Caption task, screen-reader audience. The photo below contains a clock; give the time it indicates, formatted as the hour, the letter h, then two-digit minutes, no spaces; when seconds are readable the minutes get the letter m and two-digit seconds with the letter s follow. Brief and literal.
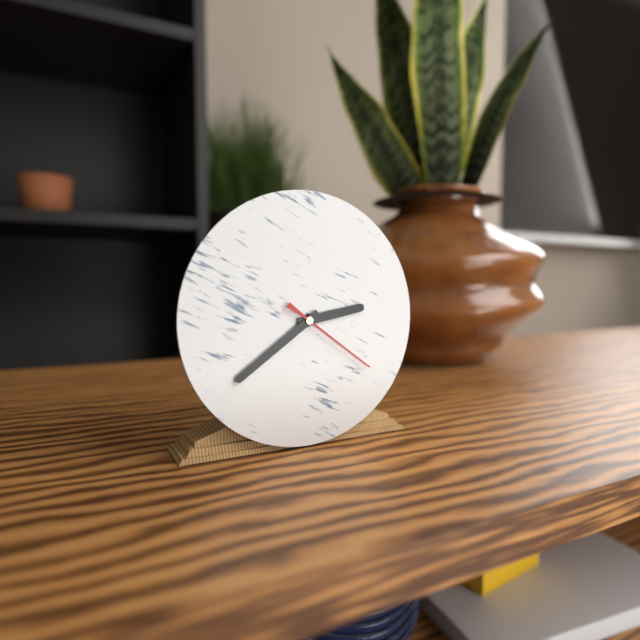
2h39m21s
